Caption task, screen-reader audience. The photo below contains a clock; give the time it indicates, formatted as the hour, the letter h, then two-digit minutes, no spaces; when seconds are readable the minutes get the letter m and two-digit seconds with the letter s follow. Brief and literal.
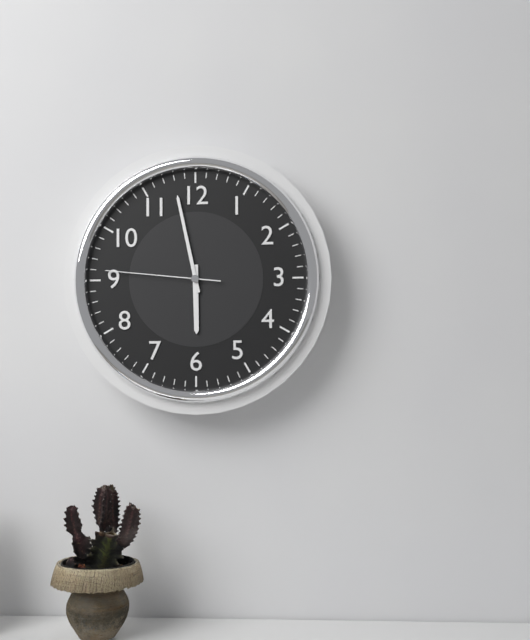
5h58m46s
